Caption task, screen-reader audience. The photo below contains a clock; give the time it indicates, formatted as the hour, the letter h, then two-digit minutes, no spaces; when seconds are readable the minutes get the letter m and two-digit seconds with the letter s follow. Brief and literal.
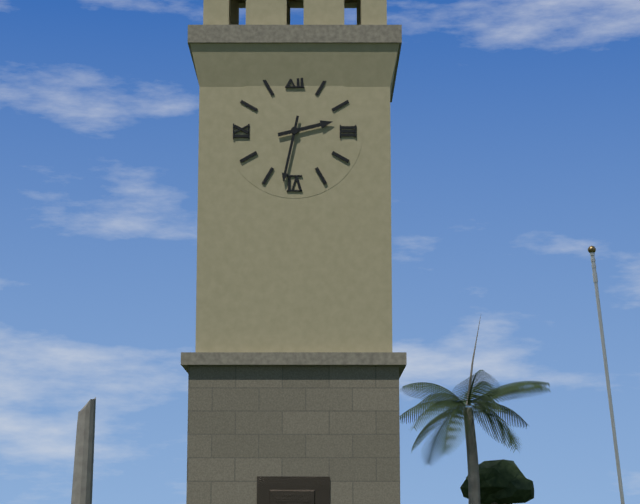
2h32
